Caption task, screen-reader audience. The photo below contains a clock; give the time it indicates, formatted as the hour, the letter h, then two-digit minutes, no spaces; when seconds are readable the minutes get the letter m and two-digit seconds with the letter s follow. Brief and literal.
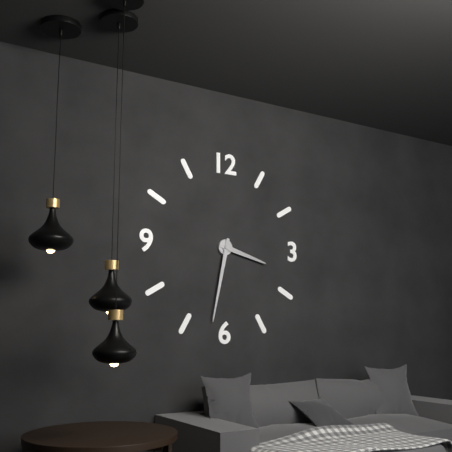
3h32
